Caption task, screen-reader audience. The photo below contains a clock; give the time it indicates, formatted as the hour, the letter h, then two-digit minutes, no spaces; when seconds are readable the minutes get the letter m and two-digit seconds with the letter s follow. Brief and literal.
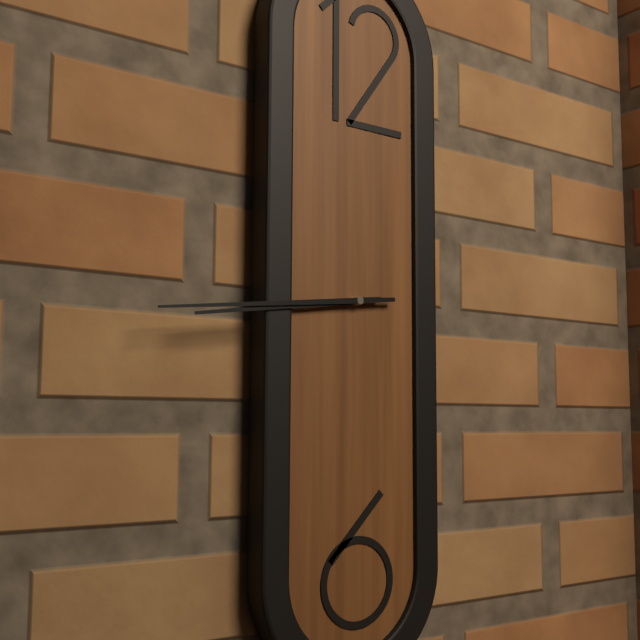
8h44
